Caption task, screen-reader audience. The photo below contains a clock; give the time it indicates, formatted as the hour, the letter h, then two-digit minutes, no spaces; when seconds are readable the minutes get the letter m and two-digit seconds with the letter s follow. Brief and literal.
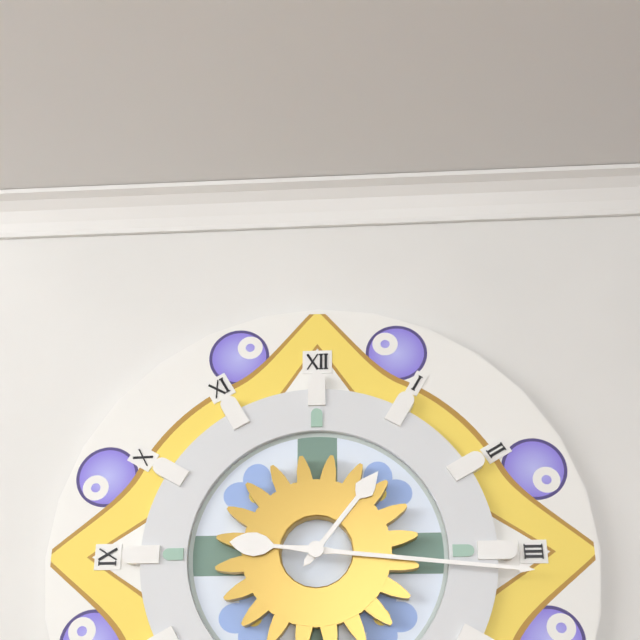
1h16
